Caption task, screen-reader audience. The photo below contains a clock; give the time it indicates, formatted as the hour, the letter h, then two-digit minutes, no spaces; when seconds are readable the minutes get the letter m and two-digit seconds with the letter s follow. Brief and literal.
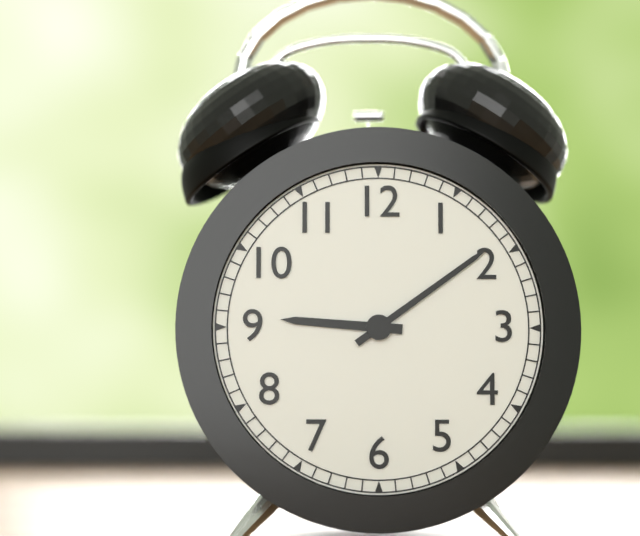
9h09
